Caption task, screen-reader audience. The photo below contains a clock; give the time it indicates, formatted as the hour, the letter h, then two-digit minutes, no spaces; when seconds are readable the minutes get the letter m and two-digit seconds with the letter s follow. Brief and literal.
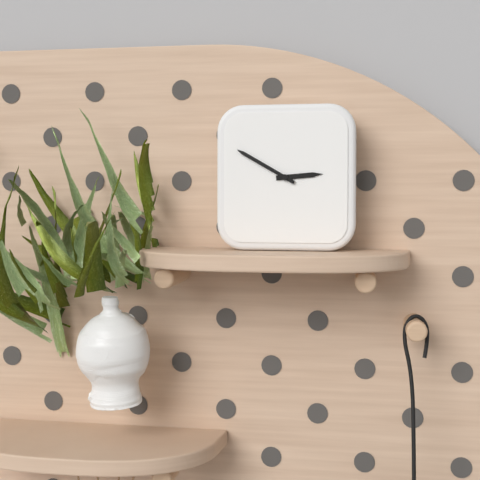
2h50
